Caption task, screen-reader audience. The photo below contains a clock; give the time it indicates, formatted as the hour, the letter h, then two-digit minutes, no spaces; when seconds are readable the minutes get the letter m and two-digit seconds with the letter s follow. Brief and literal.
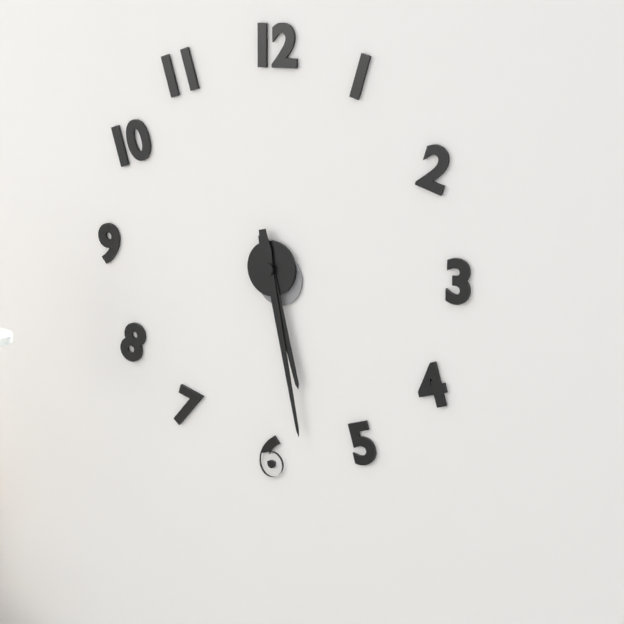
5h28
